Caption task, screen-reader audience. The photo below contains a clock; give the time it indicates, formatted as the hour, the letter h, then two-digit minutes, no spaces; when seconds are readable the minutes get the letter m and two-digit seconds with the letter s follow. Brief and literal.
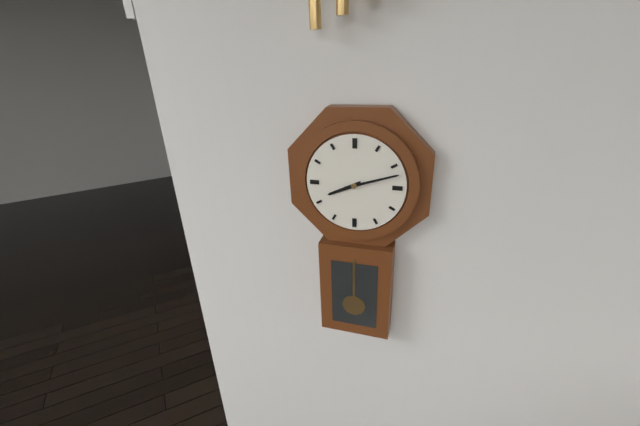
8h12
